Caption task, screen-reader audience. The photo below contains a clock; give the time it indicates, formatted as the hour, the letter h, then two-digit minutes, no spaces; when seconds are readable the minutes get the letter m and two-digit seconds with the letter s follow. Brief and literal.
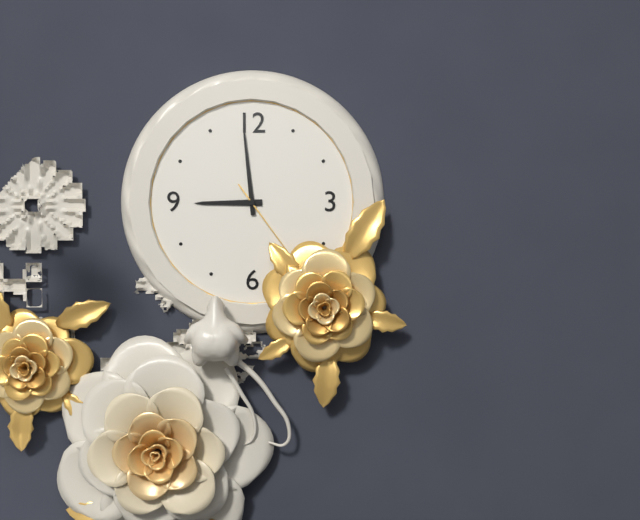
8h59
